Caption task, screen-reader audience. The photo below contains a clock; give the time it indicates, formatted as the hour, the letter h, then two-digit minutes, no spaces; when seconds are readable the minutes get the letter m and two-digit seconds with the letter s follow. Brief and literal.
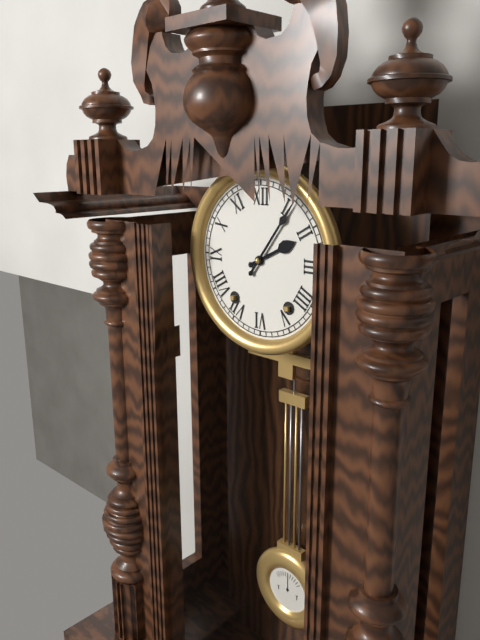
2h06
